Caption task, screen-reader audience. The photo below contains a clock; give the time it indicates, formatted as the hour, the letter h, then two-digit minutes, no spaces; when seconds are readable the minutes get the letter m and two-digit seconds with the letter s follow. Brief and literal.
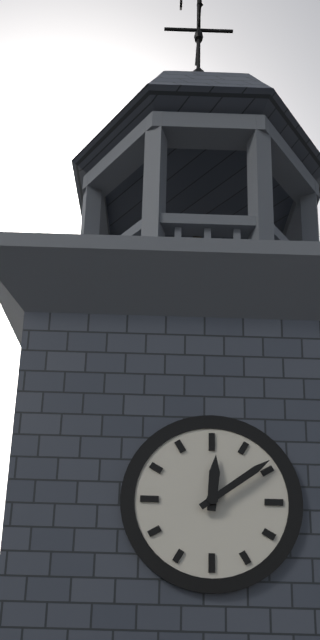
12h09
